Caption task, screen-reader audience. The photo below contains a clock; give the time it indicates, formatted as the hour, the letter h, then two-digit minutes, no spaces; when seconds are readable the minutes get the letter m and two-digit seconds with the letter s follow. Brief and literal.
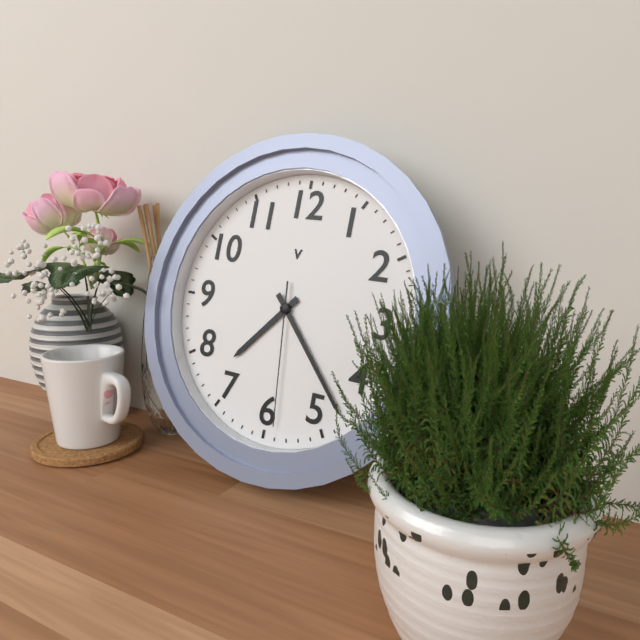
7h23m29s
